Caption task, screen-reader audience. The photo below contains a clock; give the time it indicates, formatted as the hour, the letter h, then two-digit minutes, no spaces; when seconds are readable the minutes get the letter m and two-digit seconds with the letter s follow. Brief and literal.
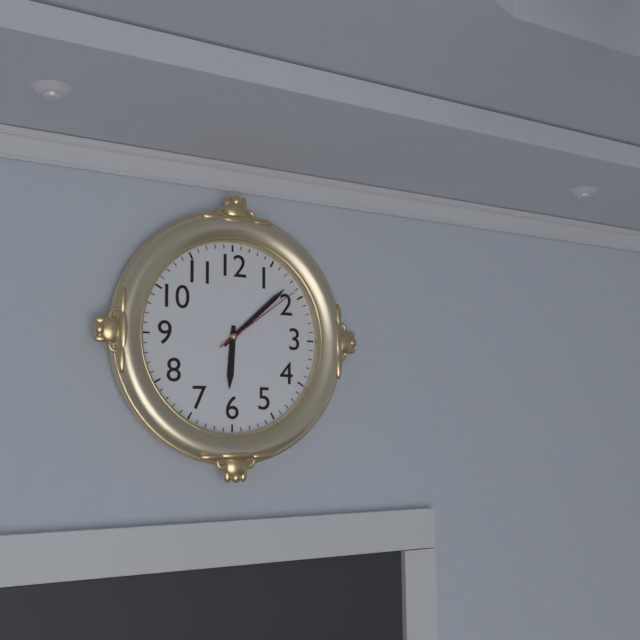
6h08m09s
